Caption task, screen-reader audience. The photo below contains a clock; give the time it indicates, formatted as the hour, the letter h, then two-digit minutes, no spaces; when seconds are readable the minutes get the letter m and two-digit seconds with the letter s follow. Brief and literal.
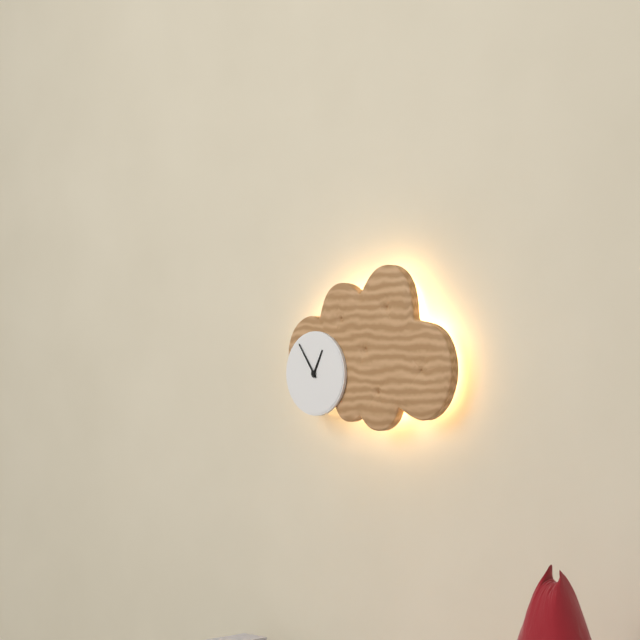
12h54
